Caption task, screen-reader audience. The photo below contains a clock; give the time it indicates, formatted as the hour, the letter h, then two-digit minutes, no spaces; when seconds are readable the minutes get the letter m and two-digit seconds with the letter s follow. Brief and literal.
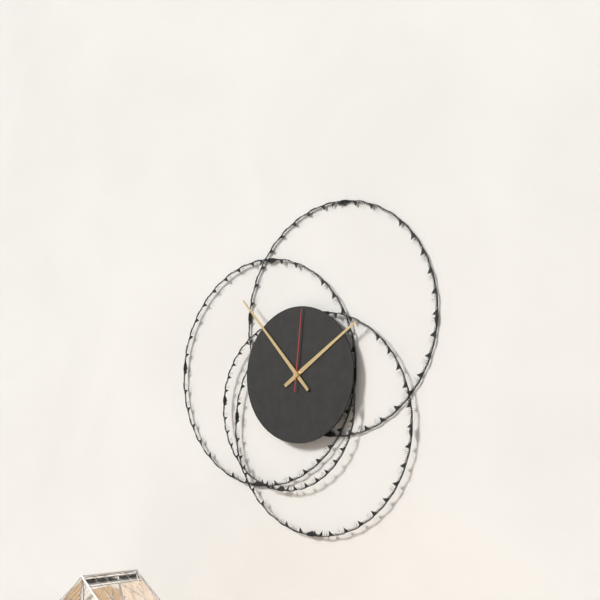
1h53m01s
